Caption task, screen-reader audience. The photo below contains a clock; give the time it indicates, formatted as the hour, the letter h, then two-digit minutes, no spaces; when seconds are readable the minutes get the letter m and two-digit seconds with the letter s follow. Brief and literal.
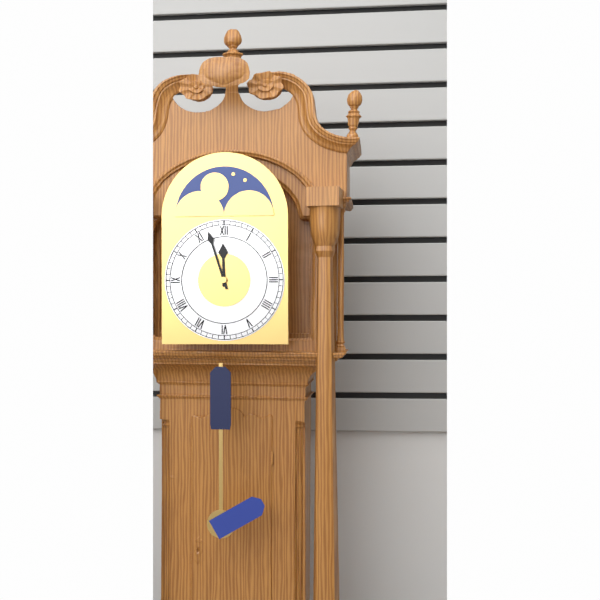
11h57
